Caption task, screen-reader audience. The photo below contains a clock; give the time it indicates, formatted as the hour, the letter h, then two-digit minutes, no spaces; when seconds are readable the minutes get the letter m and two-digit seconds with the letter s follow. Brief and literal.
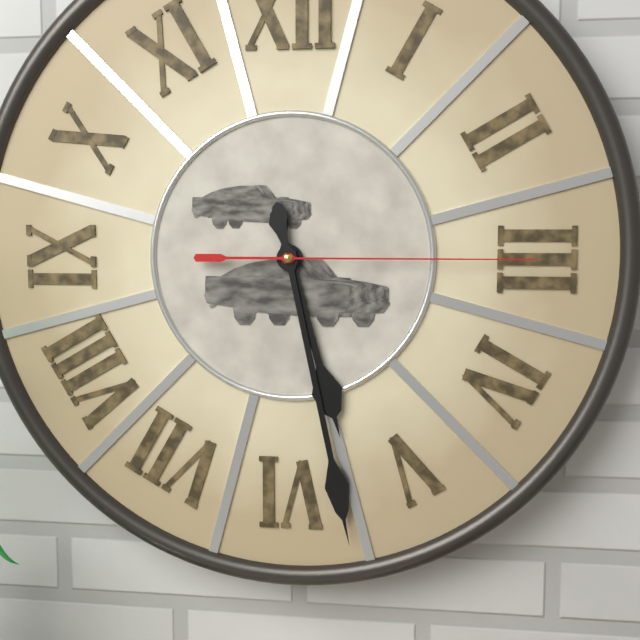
5h28m15s
